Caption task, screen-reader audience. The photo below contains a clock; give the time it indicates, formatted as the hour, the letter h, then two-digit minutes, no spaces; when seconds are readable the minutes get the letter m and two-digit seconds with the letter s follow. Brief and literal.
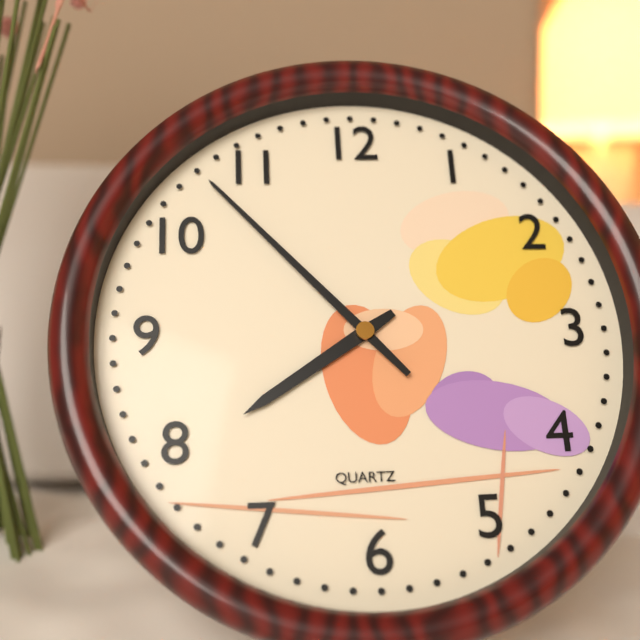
7h53
